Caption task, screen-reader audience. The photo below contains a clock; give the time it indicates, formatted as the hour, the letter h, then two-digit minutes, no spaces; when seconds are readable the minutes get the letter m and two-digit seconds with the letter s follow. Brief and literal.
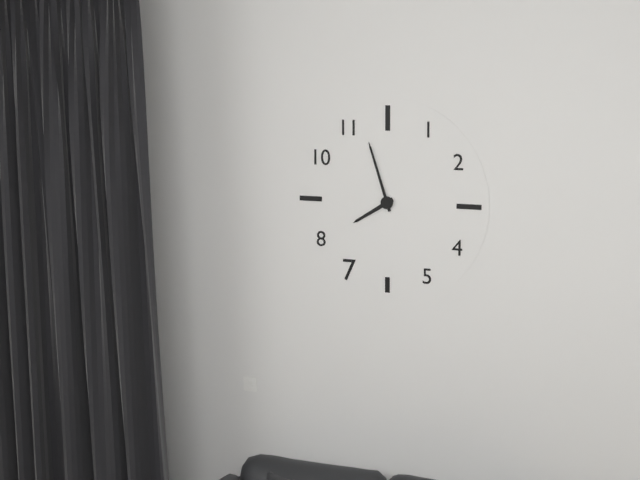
7h57
